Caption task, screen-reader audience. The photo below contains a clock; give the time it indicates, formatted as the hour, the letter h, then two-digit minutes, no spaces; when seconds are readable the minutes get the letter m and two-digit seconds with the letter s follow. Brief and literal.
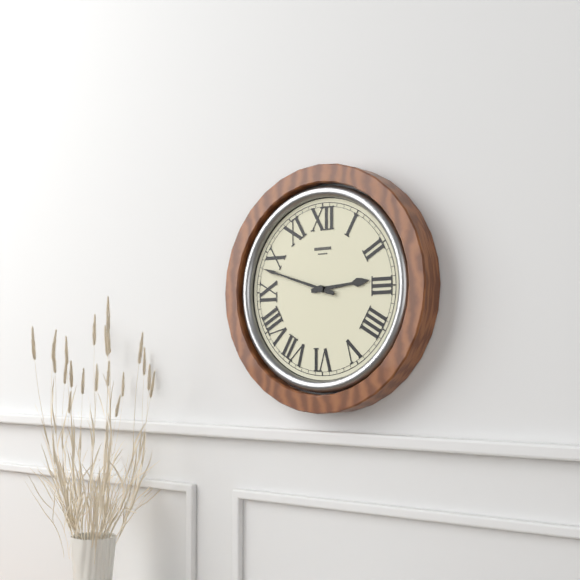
2h48
